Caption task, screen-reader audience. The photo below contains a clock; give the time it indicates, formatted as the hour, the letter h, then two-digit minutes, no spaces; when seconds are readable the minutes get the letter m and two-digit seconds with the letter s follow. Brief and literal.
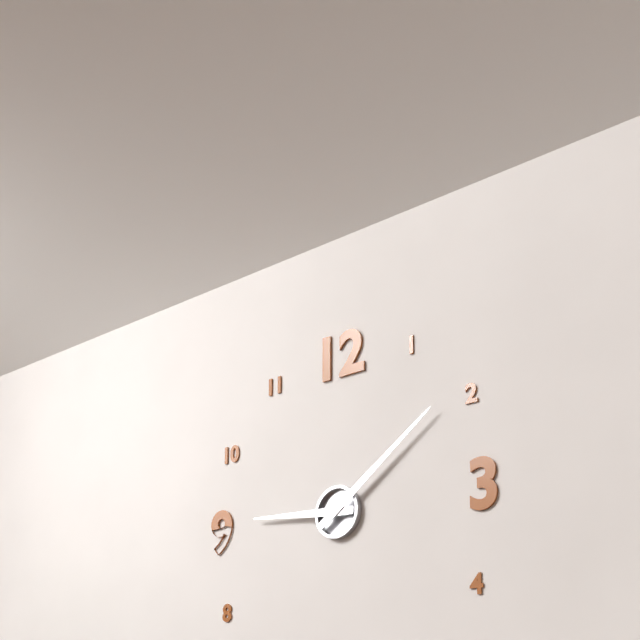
9h09
